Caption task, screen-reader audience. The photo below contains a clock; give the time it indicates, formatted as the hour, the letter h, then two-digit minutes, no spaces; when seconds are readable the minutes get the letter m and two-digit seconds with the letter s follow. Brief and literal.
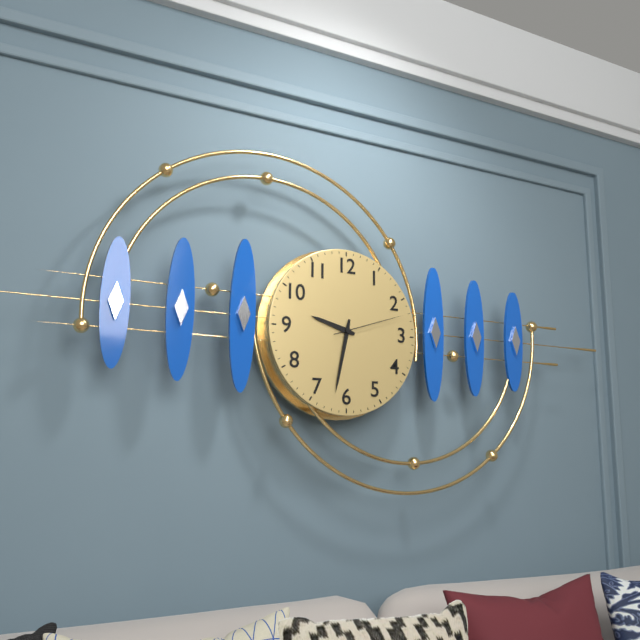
9h32m12s
